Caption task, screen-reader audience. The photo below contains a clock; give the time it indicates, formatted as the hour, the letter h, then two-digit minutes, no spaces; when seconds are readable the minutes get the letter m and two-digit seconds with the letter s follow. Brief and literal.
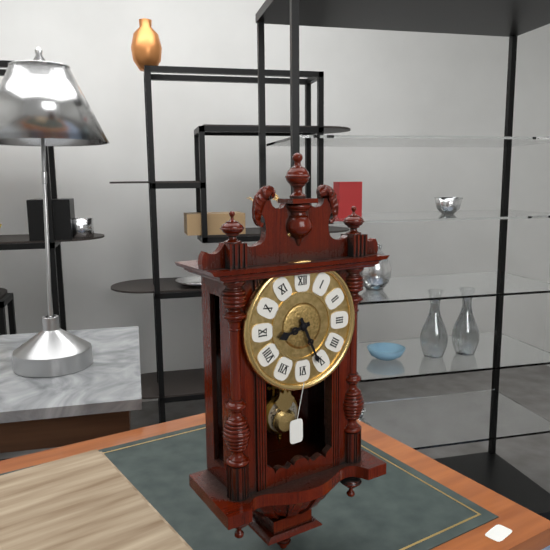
8h26
